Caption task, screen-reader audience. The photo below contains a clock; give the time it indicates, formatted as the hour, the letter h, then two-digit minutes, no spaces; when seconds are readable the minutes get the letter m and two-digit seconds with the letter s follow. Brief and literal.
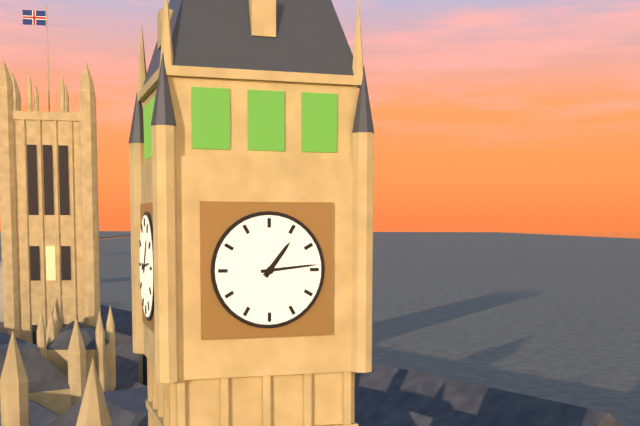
1h14
